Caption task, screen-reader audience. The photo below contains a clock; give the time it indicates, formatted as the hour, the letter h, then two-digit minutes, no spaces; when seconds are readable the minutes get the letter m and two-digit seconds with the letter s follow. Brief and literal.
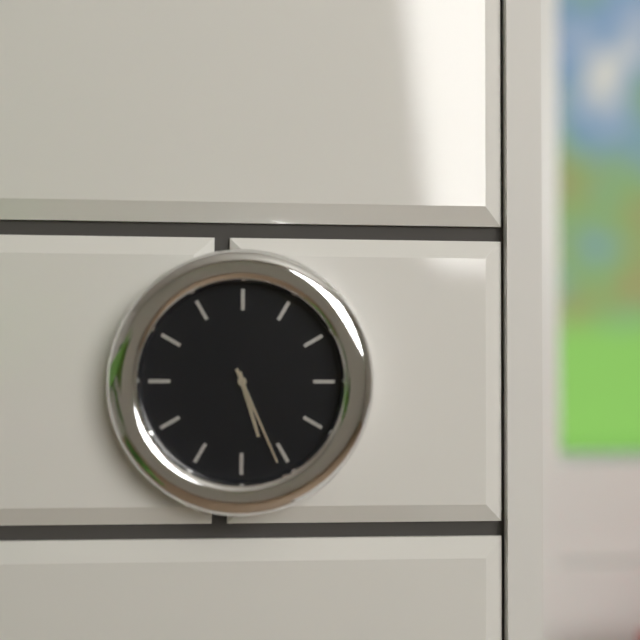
5h26
